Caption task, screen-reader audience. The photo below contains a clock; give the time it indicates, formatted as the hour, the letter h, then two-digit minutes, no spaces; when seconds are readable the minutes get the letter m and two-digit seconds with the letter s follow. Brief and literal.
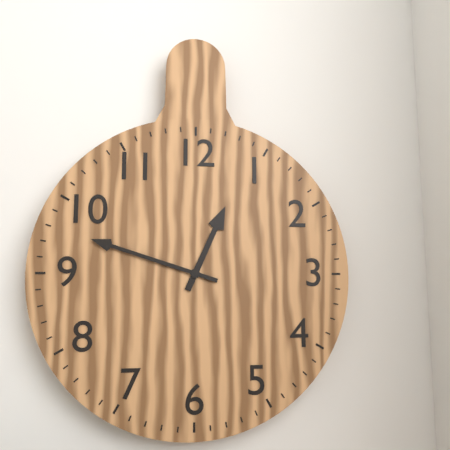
12h48
